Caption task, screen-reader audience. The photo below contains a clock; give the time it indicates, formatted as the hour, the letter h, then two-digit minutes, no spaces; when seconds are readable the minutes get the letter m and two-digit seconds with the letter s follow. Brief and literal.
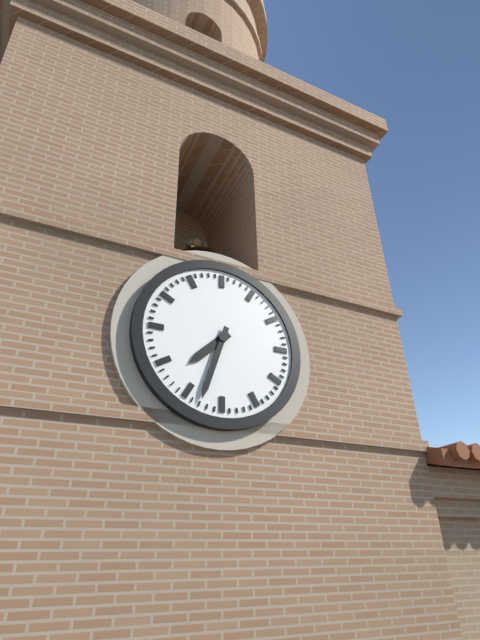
7h33
